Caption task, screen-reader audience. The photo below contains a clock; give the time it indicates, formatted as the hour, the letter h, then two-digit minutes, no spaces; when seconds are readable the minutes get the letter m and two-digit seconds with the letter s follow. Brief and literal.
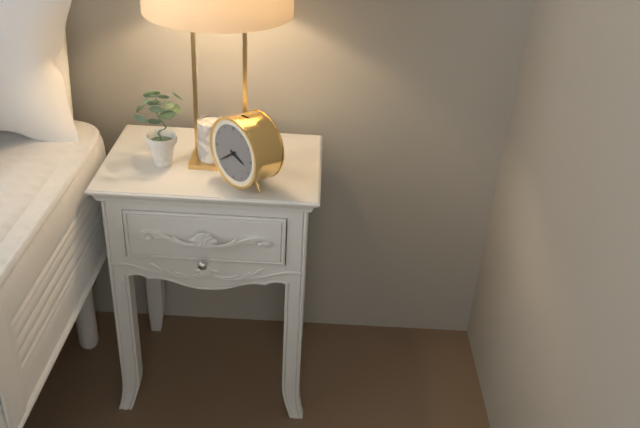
3h39
